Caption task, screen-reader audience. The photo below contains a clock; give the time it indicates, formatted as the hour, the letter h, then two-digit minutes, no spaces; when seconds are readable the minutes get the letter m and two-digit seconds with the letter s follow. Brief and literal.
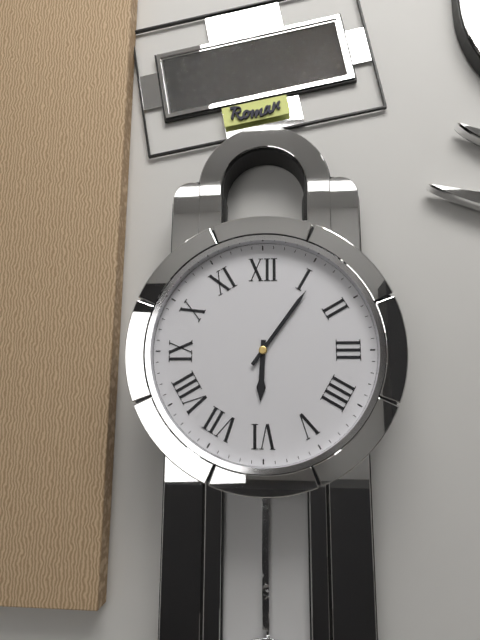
6h06
